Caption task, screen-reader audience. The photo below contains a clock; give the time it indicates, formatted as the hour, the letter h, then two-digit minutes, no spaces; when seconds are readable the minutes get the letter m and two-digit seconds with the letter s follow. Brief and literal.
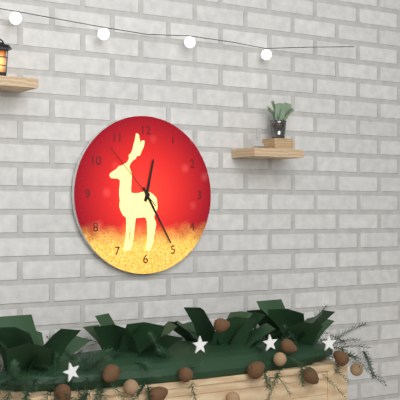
12h25m53s
